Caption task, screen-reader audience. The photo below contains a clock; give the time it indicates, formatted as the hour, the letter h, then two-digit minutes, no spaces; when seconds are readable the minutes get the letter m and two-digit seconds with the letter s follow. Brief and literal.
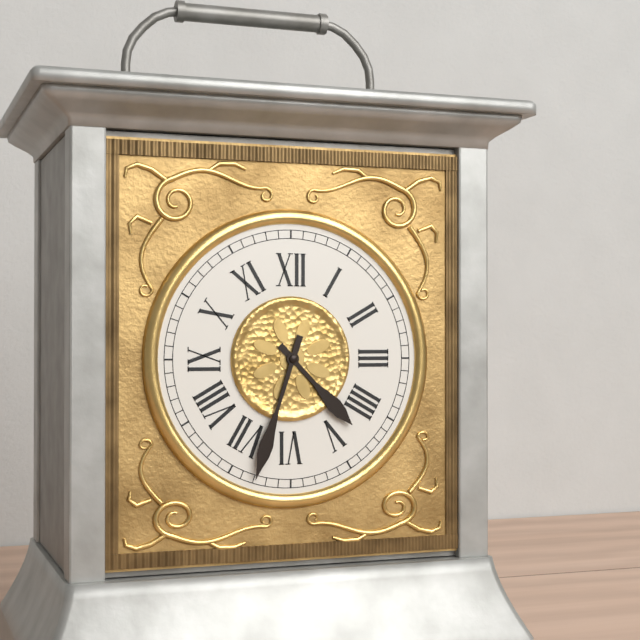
4h33
